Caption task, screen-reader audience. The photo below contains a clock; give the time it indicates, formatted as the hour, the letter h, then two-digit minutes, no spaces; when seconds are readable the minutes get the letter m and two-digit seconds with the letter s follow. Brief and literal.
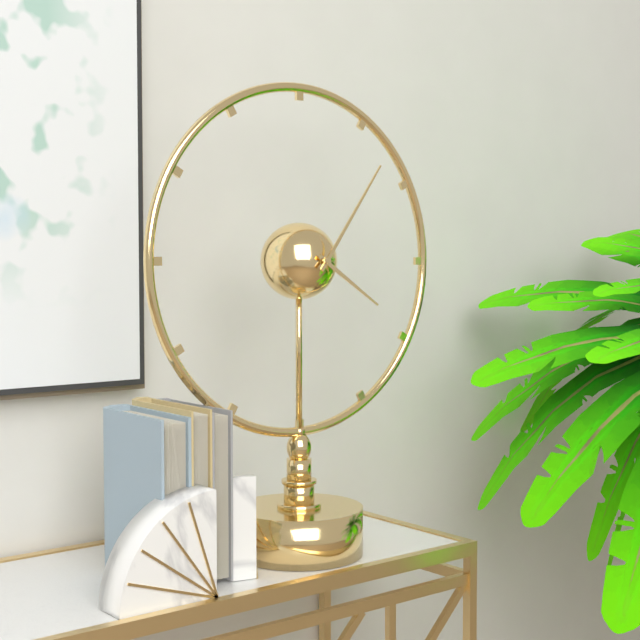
4h06
